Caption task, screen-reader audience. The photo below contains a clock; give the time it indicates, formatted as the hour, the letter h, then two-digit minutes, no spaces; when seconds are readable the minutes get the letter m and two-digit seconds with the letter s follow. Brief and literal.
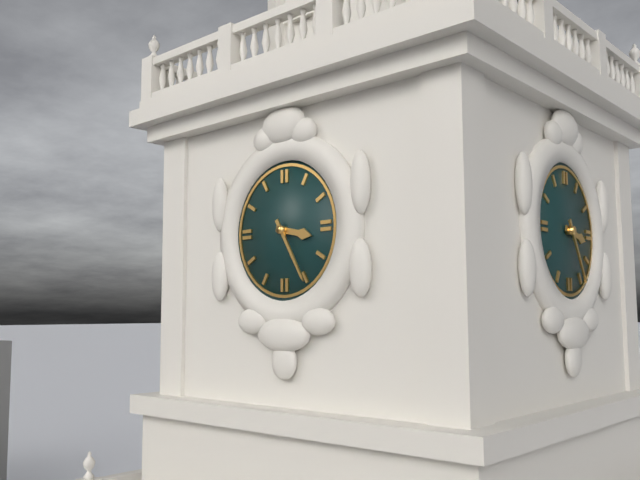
3h25
